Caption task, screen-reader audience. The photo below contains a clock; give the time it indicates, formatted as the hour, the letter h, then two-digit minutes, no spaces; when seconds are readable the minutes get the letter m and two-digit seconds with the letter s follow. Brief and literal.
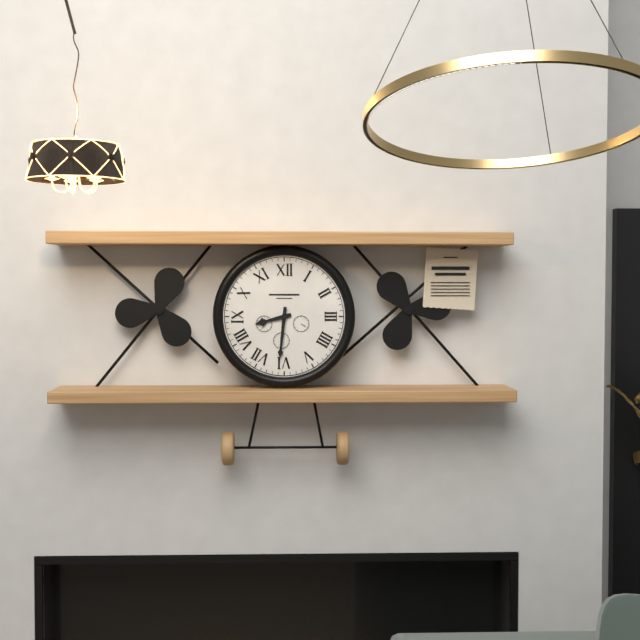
8h31
